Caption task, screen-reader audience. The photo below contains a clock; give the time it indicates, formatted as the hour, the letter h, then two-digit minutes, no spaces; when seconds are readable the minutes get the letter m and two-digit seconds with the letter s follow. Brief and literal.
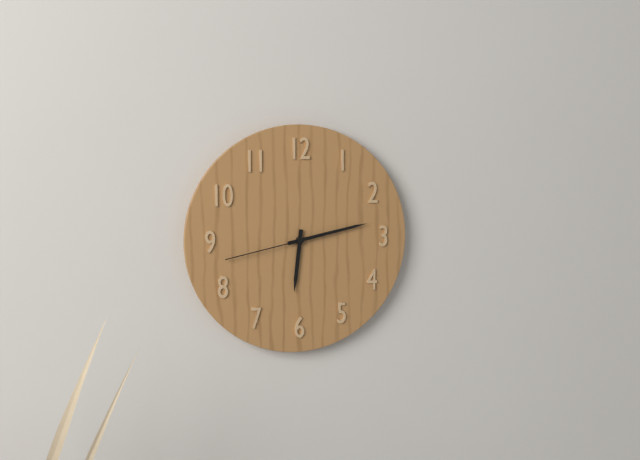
6h13m43s
